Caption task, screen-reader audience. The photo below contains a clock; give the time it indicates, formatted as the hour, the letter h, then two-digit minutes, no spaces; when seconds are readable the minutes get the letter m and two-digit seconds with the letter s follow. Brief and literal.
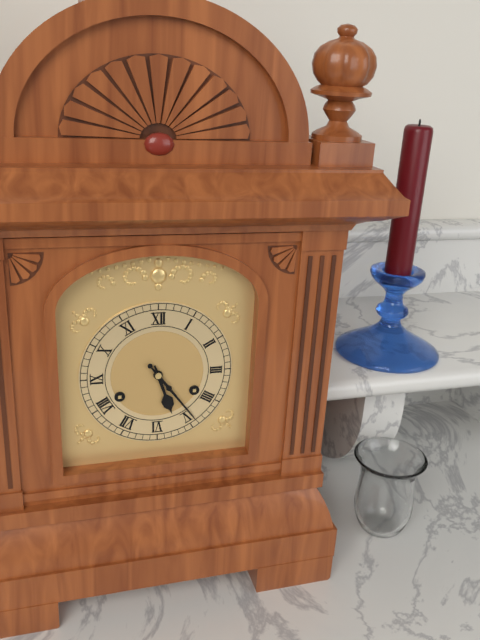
5h24
